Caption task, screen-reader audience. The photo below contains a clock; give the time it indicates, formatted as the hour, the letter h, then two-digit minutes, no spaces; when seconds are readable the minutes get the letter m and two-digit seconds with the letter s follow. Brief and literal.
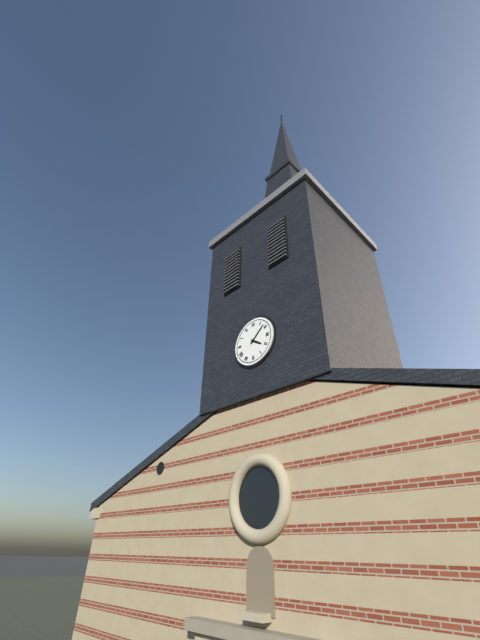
4h08
